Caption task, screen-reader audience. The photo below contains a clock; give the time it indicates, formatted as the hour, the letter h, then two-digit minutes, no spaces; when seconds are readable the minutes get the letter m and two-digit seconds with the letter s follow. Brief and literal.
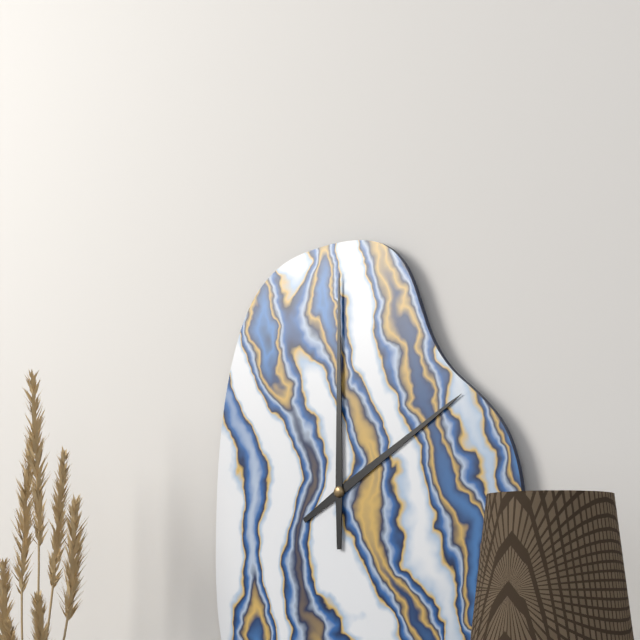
2h00
